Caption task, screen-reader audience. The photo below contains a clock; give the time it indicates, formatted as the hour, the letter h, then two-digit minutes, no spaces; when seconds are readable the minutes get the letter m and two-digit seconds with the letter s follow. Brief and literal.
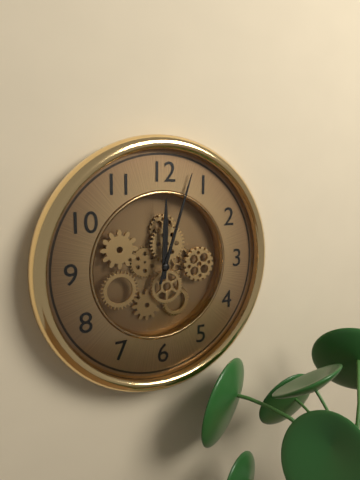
12h03
